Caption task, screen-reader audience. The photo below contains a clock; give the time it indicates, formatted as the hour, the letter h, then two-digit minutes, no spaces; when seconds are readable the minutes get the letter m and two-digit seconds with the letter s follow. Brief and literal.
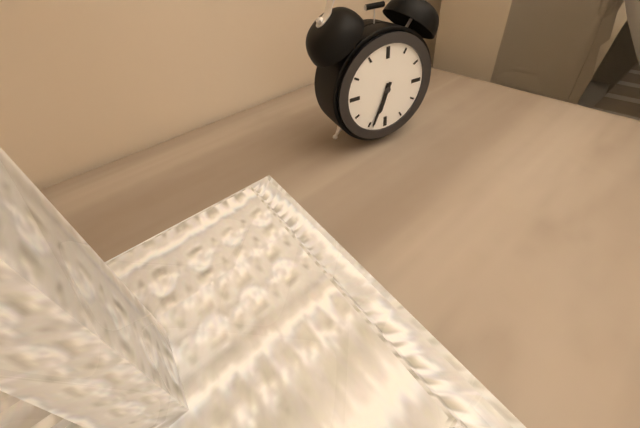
6h34
